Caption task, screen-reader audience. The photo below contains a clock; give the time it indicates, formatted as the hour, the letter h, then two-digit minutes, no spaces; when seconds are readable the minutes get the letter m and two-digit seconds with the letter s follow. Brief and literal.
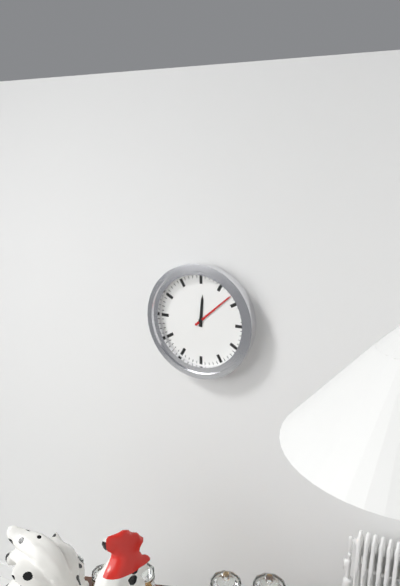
12h08
